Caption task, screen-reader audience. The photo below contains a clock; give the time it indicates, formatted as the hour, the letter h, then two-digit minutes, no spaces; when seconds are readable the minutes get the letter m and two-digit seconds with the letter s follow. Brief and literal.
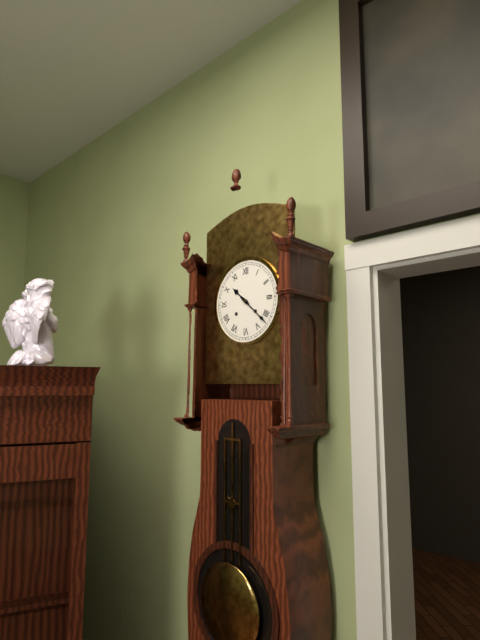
10h22
